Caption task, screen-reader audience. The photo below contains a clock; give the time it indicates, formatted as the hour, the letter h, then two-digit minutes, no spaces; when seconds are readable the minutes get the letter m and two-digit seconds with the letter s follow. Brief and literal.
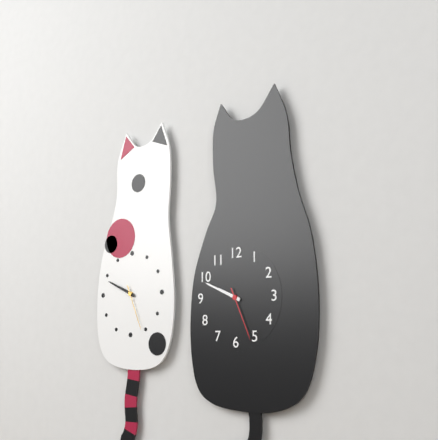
9h49m26s
